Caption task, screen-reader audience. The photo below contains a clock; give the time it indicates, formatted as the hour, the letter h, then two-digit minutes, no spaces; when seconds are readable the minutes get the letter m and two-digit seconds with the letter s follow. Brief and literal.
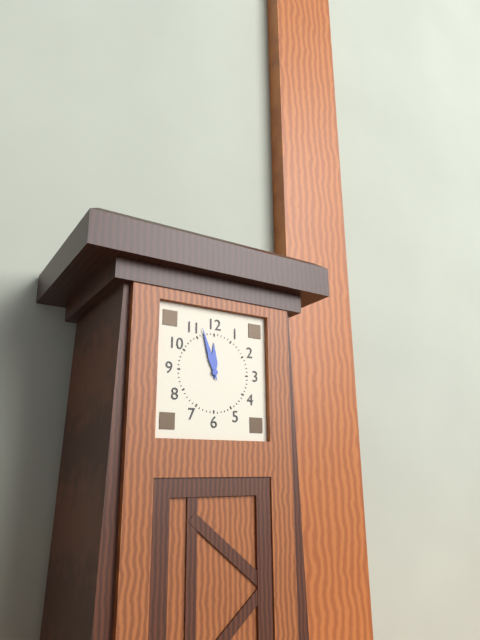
11h57
